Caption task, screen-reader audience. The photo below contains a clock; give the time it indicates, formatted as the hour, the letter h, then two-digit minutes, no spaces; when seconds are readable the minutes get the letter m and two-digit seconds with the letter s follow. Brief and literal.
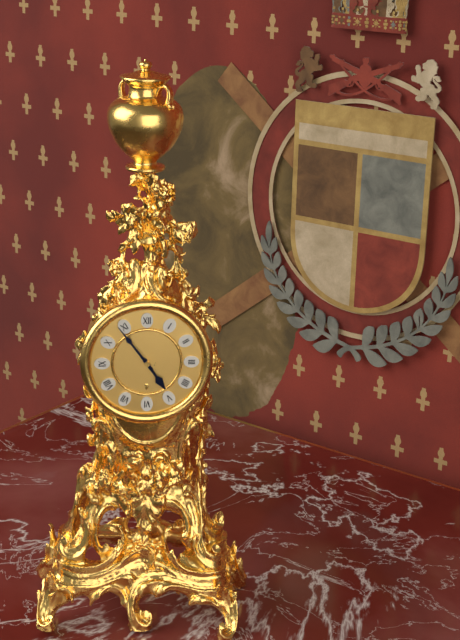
4h54
